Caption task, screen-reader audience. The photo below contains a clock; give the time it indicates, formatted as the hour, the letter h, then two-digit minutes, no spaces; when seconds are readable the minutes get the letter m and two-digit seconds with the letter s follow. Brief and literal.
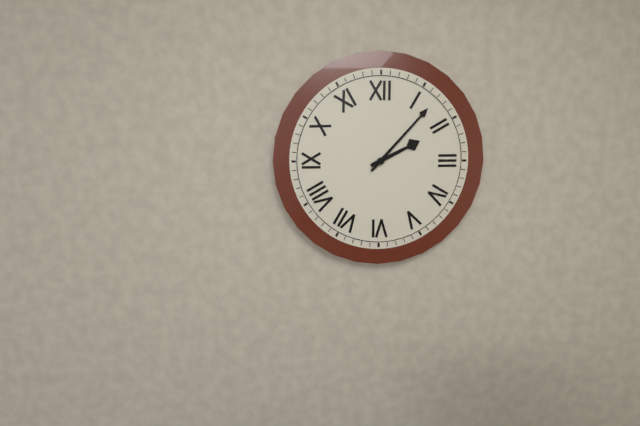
2h07
